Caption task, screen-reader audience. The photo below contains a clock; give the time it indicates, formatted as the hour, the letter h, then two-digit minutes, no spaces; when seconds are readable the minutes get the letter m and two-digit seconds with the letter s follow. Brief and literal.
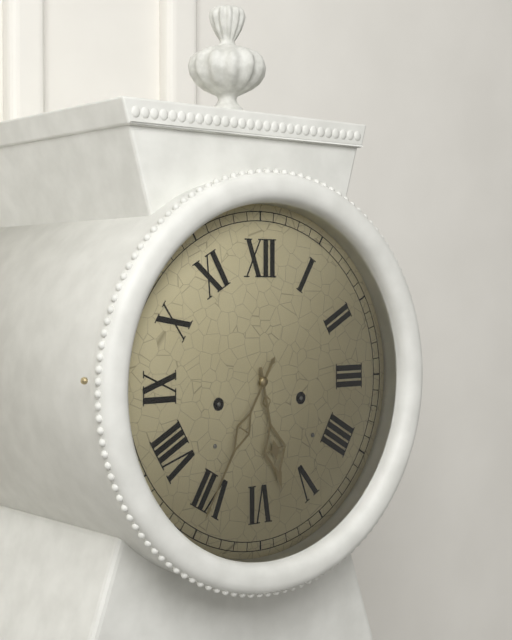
5h35
